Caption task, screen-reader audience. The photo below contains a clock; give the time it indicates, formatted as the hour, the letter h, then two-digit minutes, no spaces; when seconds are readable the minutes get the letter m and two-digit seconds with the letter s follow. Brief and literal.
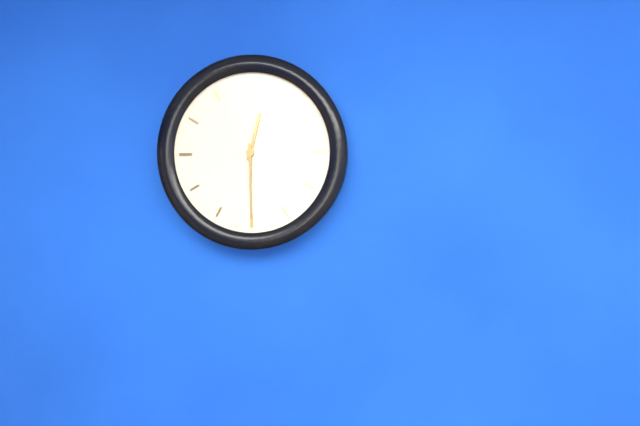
12h30
